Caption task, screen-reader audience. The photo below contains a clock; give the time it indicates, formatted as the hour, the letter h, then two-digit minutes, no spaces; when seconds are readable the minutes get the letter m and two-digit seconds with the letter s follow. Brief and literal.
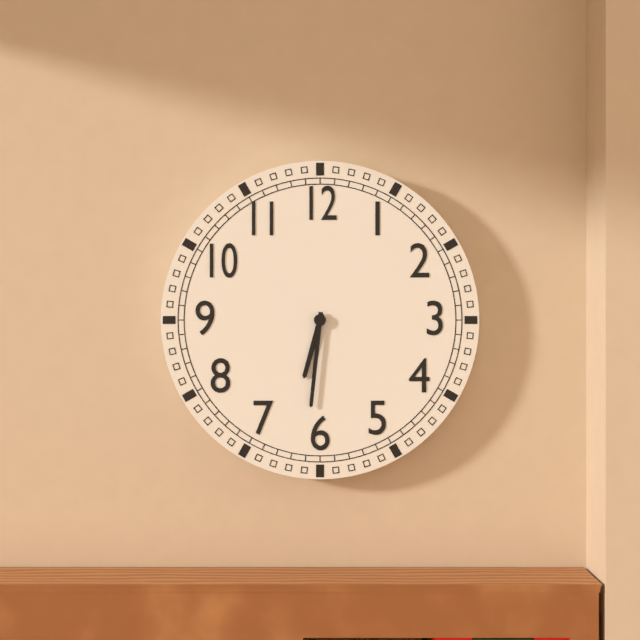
6h31
